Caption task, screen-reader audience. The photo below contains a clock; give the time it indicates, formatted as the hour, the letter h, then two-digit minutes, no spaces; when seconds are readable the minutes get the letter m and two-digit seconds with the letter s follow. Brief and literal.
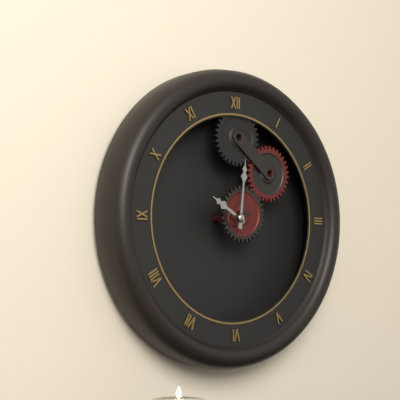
10h01
